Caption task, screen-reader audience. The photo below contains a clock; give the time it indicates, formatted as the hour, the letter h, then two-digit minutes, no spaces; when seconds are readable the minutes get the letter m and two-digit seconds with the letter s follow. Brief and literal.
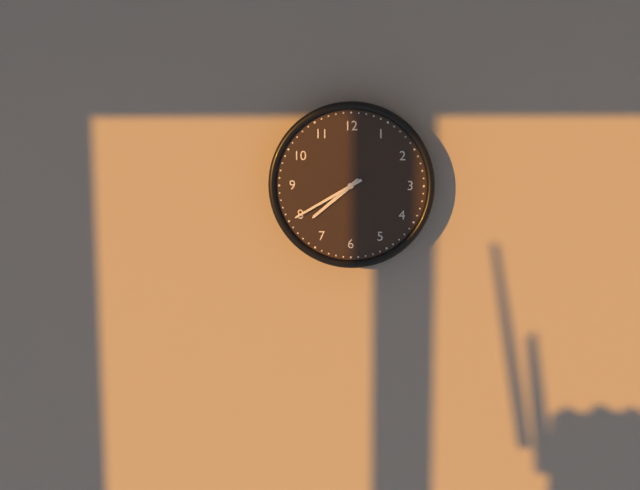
7h40
